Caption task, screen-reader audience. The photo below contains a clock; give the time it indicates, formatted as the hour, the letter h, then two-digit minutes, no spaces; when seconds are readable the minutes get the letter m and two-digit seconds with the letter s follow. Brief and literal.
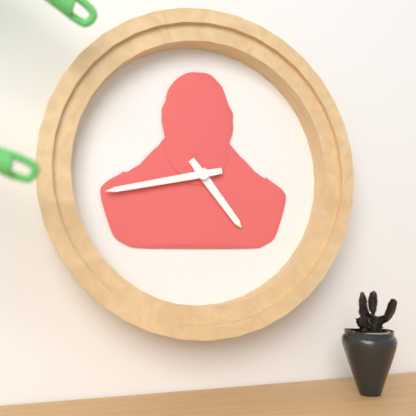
4h43
